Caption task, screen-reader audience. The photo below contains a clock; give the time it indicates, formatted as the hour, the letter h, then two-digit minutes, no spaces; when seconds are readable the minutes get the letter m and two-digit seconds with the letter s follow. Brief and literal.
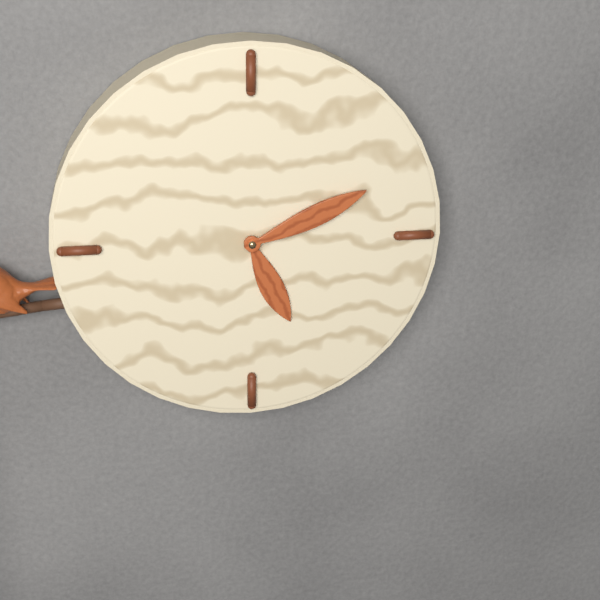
5h11
